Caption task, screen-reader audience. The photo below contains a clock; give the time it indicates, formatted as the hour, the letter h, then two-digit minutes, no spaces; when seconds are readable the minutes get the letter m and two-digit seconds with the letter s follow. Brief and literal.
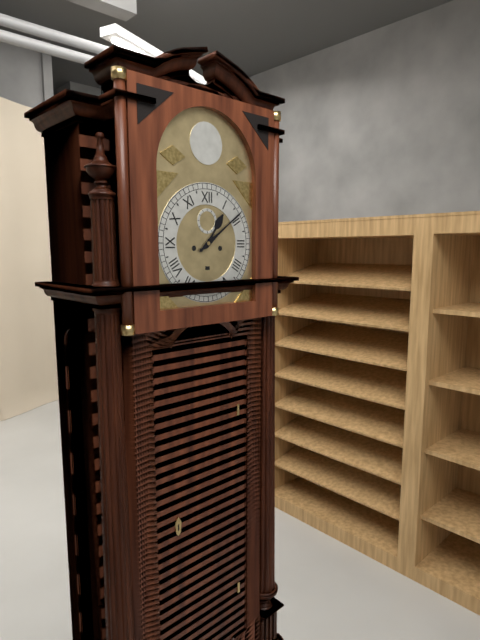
1h09
